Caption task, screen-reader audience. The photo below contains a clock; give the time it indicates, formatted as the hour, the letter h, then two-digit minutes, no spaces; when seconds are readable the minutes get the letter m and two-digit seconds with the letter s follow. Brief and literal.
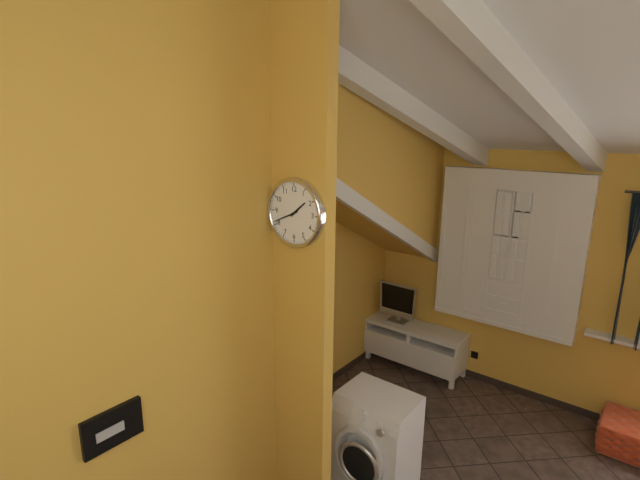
1h41
